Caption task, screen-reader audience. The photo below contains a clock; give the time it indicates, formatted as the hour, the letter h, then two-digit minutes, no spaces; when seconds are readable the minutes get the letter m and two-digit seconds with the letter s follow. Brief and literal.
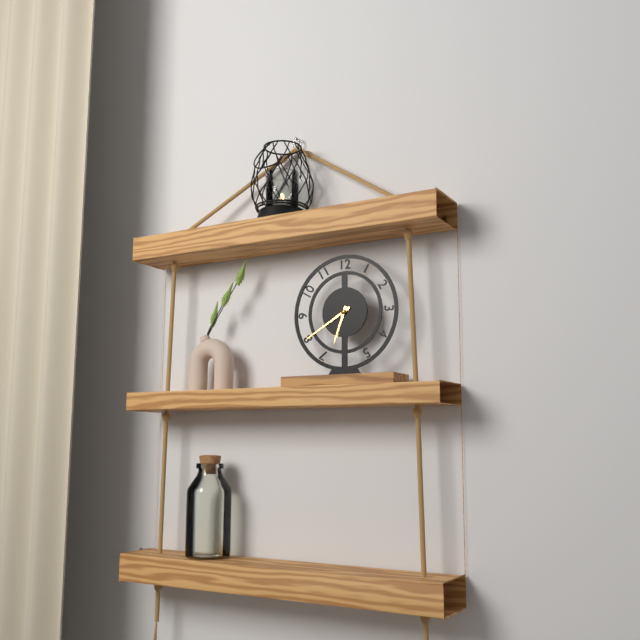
6h40
